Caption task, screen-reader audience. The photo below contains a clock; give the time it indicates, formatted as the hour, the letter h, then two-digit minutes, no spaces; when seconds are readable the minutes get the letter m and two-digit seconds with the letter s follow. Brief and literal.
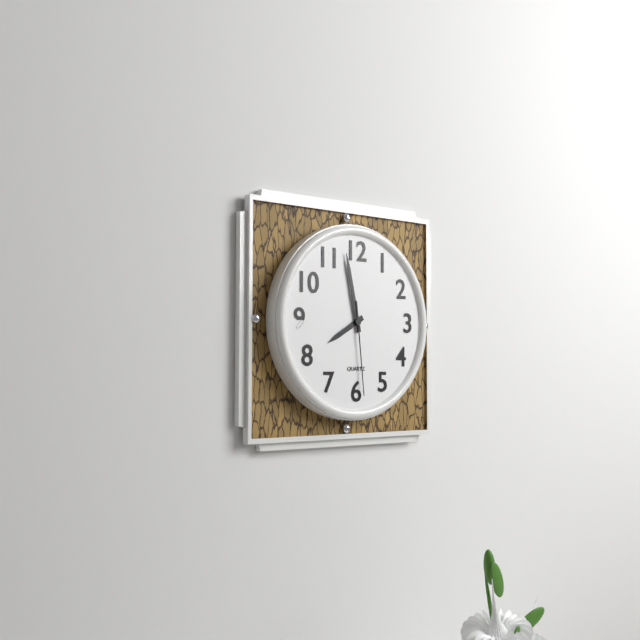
7h58m29s
